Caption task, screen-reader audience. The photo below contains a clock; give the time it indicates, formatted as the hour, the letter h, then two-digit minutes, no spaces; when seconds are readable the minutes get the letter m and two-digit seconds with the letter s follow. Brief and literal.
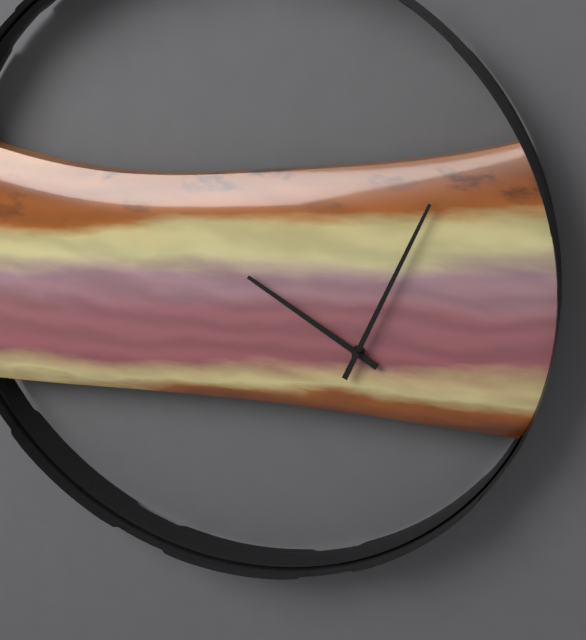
10h04
